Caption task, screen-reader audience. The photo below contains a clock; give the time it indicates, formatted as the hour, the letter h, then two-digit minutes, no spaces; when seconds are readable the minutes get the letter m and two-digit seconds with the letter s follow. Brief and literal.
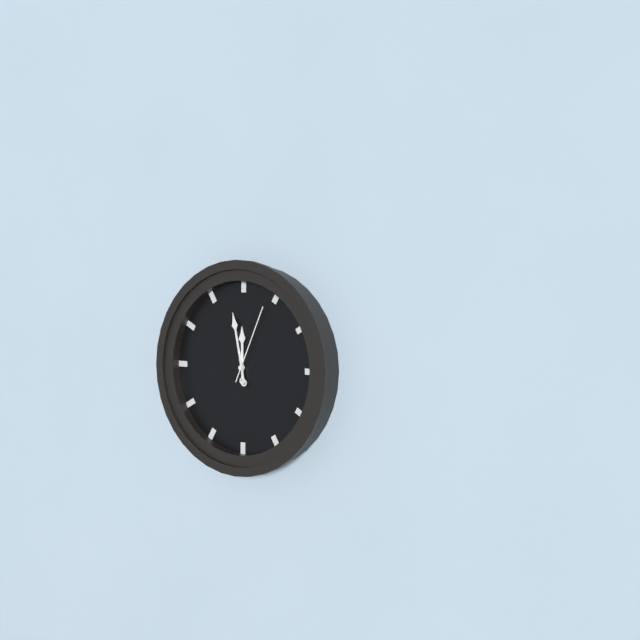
11h58m04s
